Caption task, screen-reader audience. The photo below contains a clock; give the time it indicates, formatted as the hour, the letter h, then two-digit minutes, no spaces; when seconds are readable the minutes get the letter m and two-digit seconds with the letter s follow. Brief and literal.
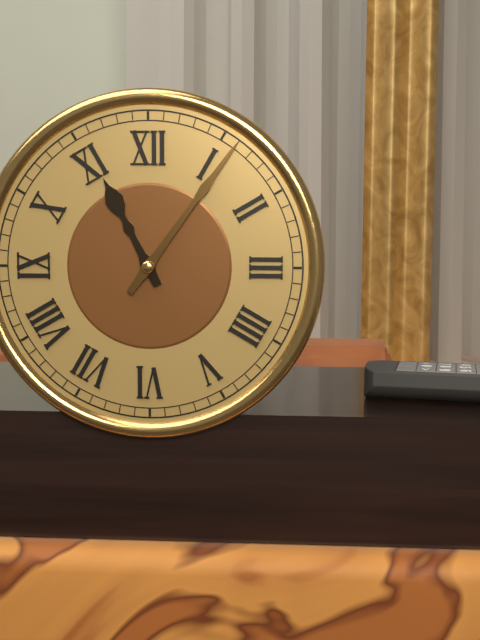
11h06
